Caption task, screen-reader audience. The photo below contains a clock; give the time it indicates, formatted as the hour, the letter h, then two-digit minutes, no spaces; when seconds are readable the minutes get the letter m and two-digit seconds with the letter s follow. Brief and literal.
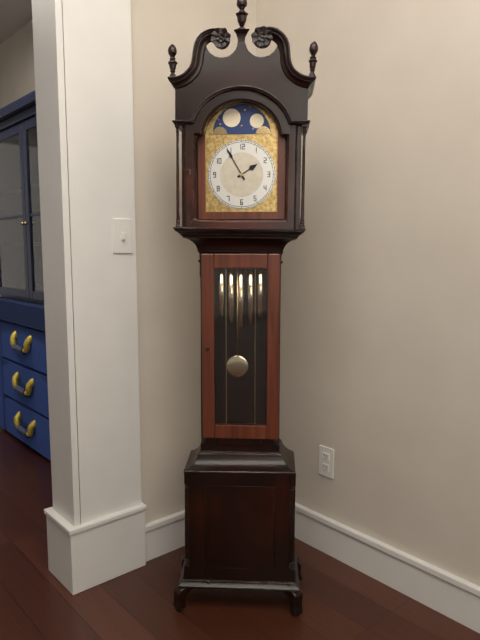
1h55
